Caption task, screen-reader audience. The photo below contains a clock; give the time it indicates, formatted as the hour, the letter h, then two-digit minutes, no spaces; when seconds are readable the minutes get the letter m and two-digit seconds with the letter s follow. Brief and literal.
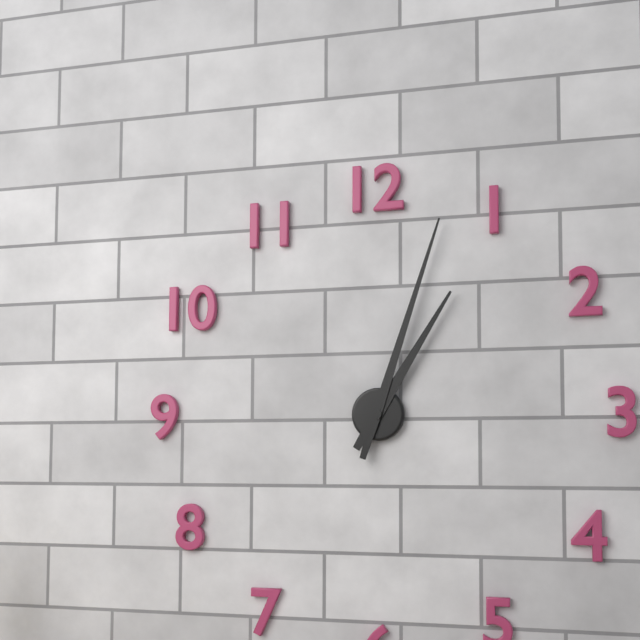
1h03
